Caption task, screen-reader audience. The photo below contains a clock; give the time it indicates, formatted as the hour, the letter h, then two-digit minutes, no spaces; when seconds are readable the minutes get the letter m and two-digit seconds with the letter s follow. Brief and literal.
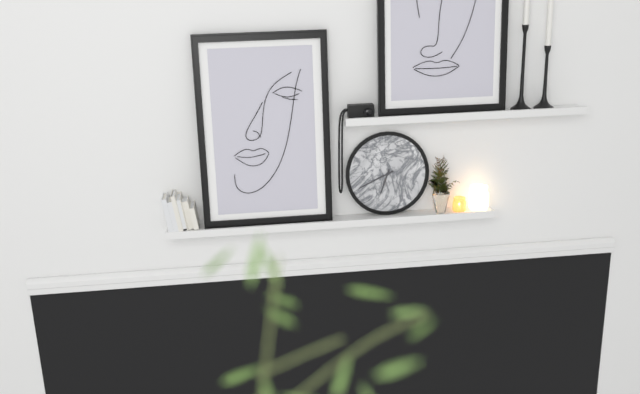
6h41
